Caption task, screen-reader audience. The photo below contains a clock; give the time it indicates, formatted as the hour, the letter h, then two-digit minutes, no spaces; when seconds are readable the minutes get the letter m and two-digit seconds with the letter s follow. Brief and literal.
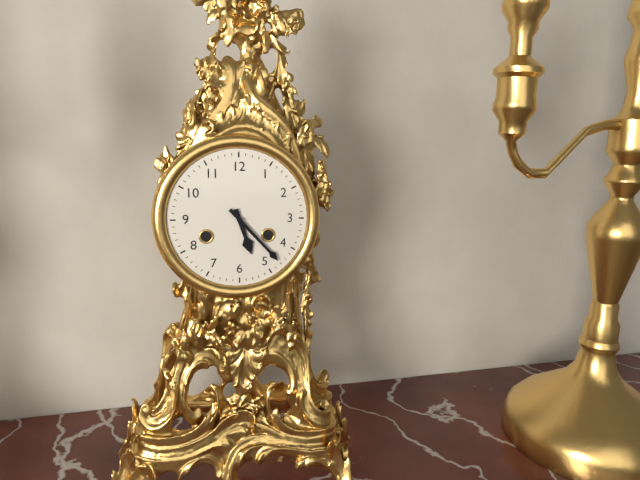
5h23
